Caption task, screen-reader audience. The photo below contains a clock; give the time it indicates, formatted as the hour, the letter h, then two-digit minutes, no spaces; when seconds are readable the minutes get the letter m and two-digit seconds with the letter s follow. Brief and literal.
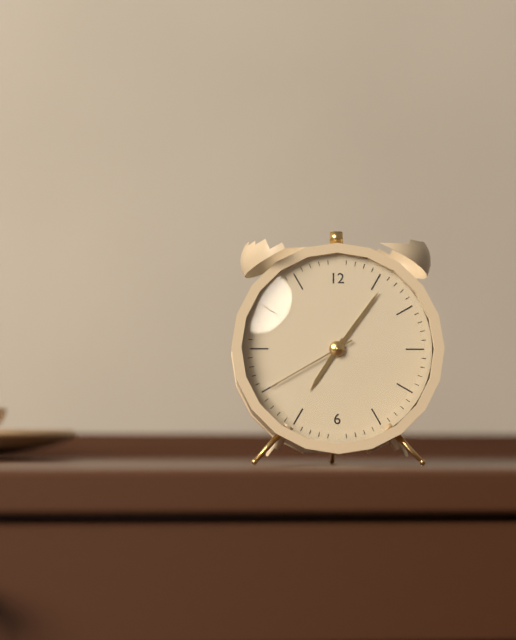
7h06m40s
